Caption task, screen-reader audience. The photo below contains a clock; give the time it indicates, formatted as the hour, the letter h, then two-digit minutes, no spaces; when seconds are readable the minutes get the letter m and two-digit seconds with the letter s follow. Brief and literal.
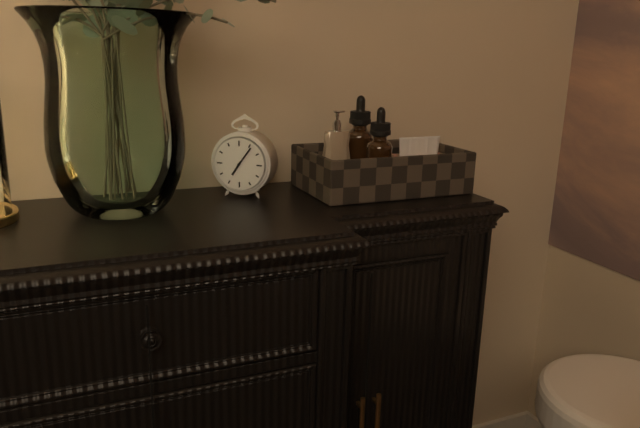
7h06
